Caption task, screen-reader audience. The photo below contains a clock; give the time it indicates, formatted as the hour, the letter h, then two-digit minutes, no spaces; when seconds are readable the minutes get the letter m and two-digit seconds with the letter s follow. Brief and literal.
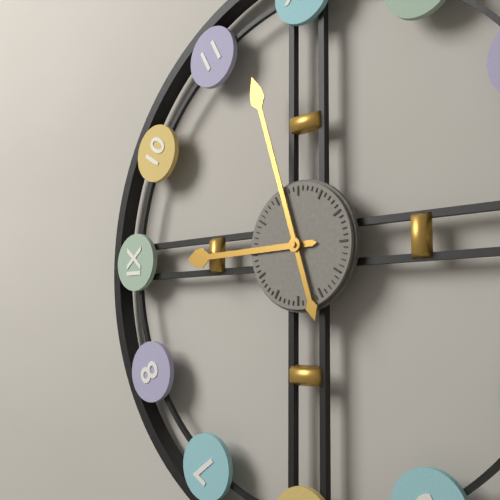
8h57
